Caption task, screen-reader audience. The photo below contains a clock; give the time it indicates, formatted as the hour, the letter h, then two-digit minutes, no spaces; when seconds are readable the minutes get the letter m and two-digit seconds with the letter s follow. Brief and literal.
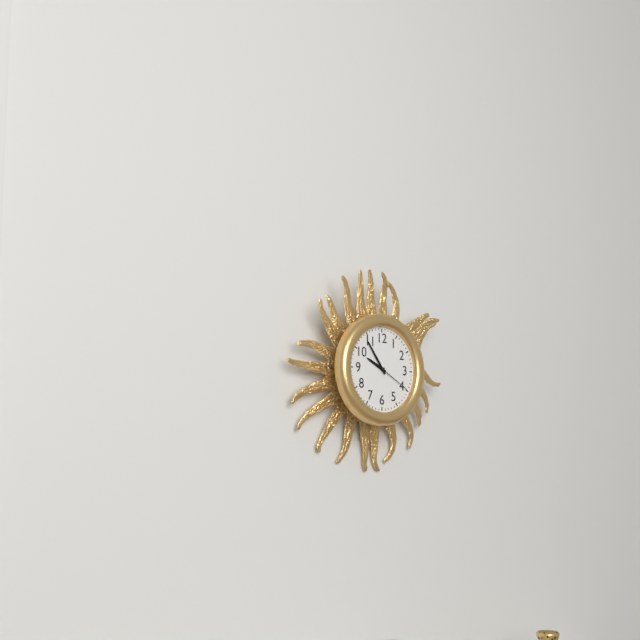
9h54
